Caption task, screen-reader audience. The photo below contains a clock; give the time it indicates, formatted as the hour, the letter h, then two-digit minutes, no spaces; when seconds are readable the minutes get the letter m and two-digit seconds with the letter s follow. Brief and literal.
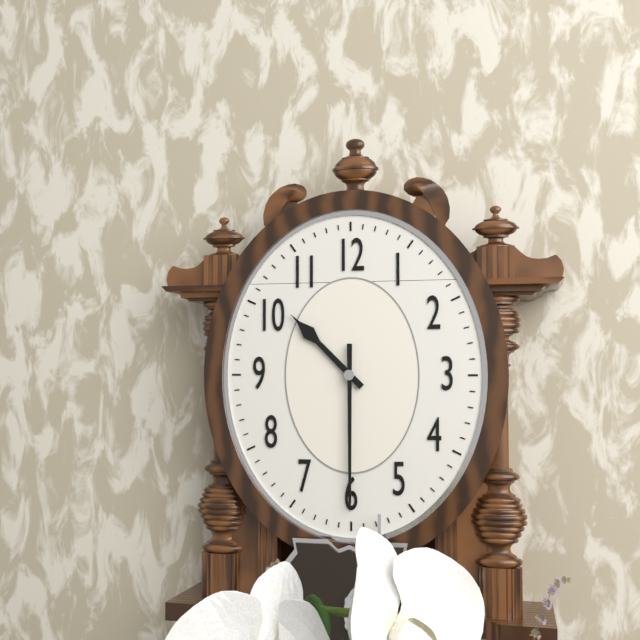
10h30
